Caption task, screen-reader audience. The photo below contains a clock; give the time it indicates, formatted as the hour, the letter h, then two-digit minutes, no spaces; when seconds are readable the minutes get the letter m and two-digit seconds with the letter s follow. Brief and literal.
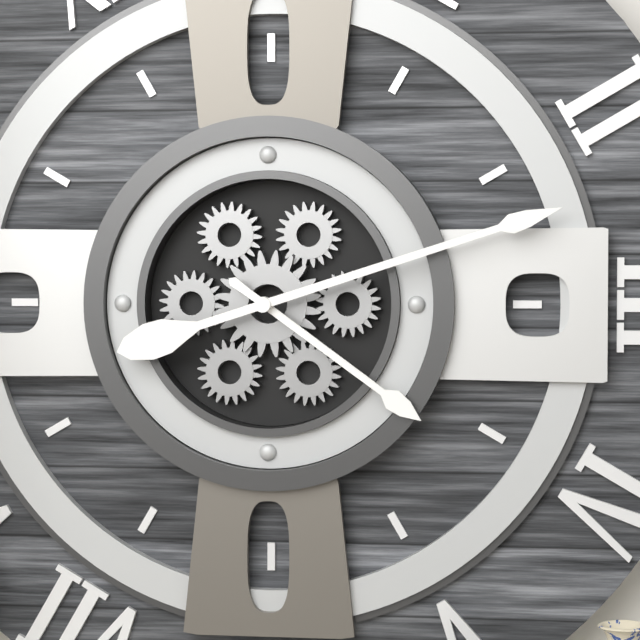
4h12
